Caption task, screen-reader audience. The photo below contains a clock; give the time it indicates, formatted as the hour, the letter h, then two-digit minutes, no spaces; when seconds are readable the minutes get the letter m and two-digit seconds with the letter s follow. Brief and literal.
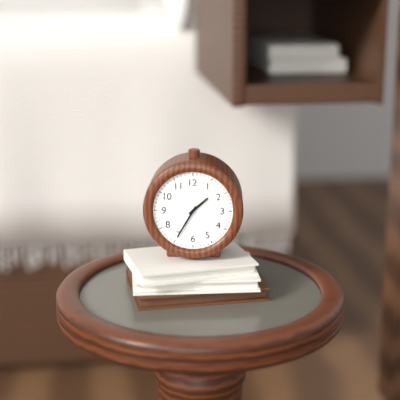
1h35
